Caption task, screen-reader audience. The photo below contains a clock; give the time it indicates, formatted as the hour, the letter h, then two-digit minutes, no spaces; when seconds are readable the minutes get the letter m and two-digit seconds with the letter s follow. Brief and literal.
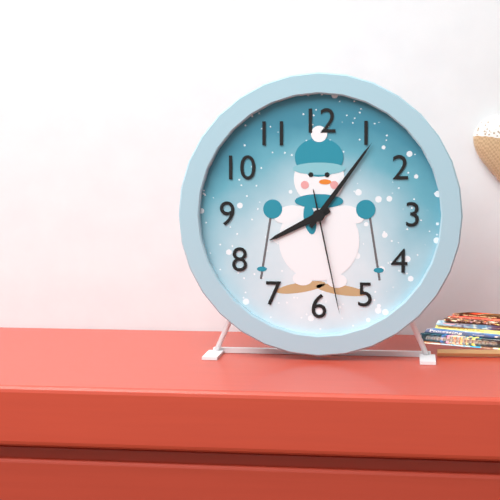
8h06m28s
